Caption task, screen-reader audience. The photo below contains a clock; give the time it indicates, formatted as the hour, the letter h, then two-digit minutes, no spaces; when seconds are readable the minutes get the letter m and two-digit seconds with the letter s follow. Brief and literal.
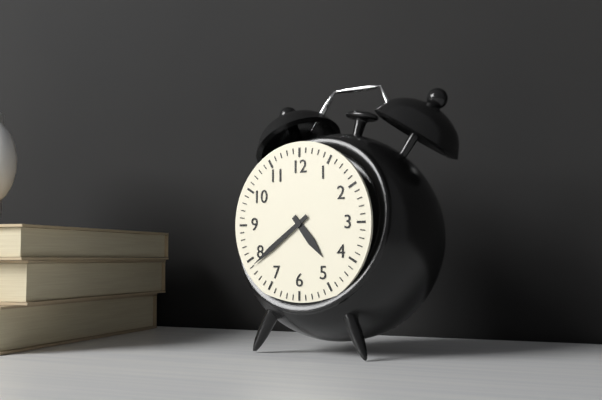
4h39
